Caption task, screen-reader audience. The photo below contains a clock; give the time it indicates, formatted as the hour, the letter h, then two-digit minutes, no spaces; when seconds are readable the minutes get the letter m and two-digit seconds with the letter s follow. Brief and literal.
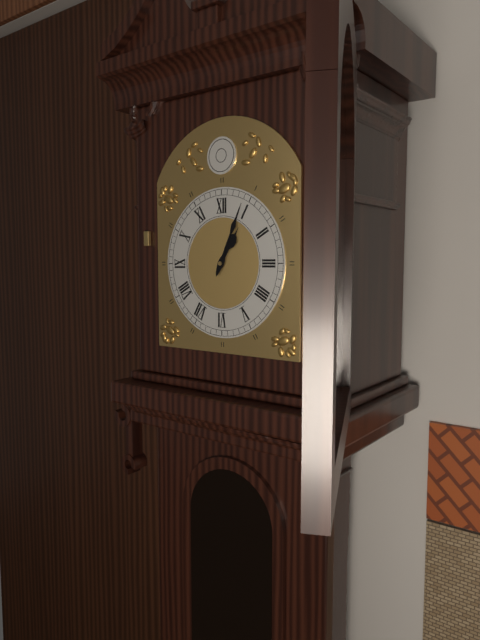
1h04
